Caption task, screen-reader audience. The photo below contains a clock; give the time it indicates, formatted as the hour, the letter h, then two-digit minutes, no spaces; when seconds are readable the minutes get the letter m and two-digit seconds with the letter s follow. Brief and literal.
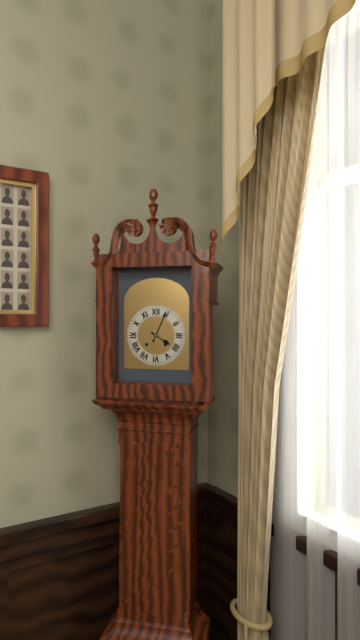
4h04
